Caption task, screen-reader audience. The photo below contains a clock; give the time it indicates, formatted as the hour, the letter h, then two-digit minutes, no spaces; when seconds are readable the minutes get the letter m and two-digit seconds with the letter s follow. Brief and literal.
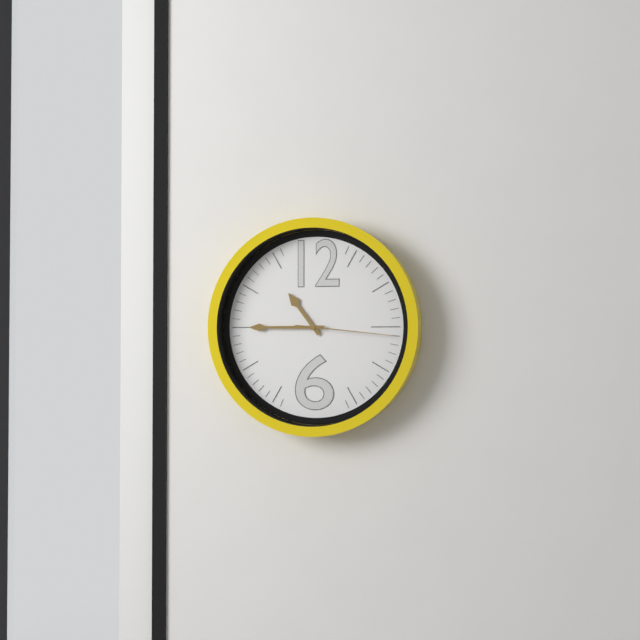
10h45m16s
